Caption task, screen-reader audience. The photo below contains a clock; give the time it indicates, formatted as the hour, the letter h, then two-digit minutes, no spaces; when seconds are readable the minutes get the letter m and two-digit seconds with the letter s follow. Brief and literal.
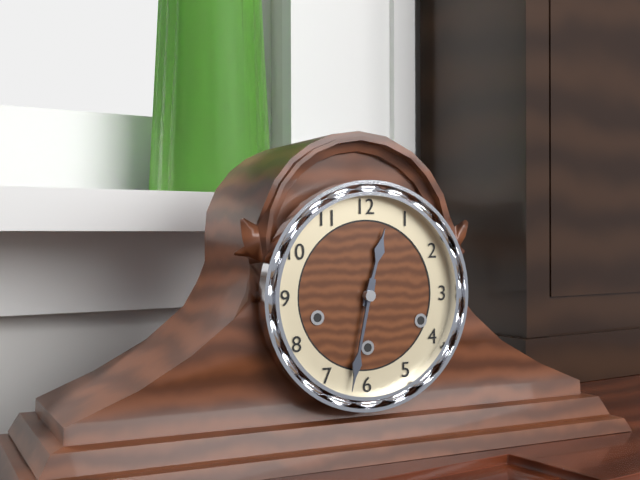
12h32
